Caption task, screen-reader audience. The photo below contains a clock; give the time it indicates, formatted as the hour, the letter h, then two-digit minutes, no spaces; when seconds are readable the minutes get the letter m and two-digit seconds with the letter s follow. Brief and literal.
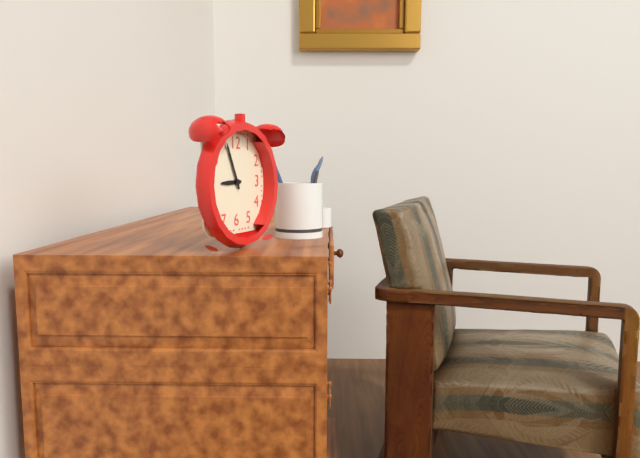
8h56
